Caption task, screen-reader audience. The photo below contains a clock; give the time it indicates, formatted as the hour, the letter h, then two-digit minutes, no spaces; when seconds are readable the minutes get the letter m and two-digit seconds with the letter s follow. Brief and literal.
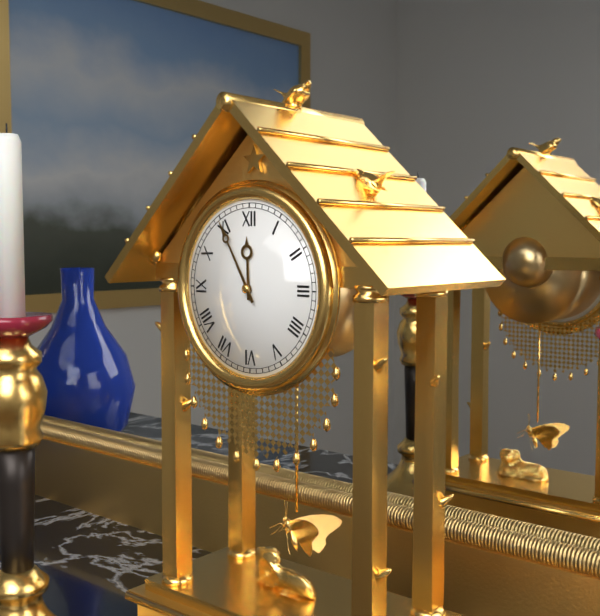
11h55
